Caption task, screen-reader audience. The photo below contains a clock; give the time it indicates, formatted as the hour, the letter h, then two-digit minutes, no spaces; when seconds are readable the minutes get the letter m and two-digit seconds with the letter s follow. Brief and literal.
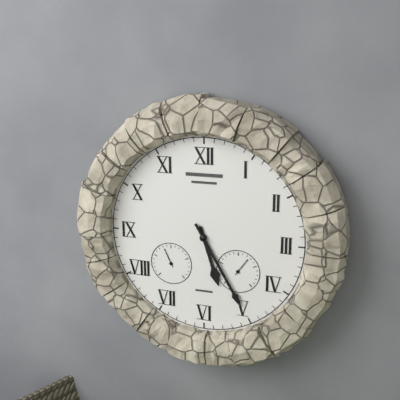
5h25
